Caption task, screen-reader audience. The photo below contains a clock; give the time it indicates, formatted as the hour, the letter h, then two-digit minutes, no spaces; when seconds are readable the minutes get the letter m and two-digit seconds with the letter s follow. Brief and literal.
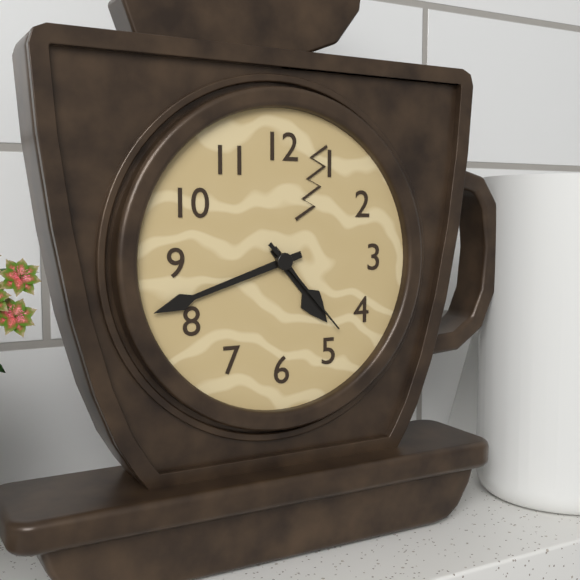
4h42m23s
